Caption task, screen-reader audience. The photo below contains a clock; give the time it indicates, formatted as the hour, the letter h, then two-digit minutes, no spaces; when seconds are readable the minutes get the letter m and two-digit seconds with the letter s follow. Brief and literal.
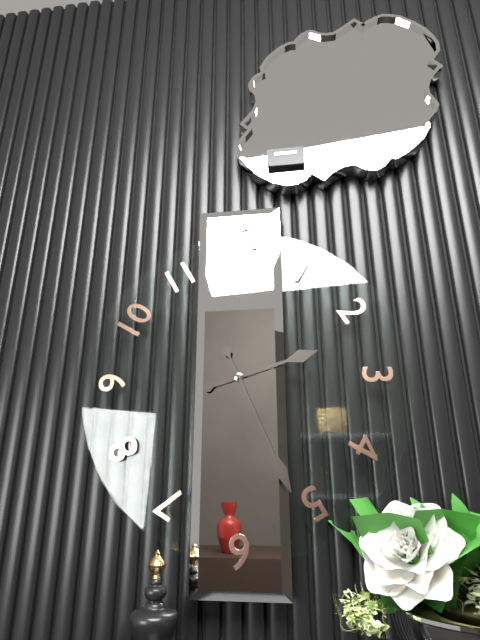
2h26
